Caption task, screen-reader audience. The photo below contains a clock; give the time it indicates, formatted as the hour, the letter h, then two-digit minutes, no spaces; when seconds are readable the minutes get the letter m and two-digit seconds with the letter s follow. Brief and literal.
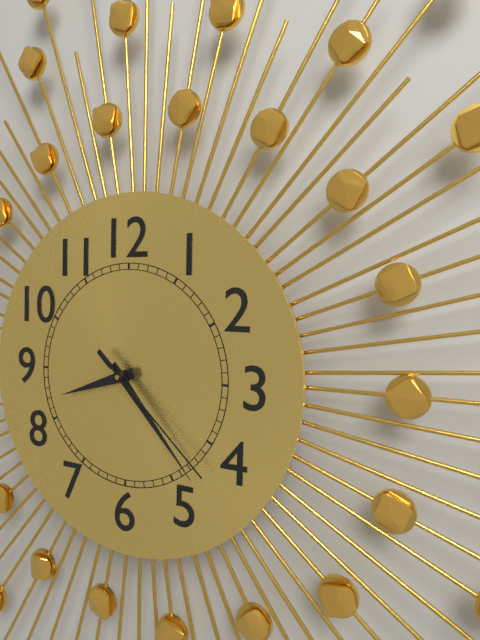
8h23m22s
